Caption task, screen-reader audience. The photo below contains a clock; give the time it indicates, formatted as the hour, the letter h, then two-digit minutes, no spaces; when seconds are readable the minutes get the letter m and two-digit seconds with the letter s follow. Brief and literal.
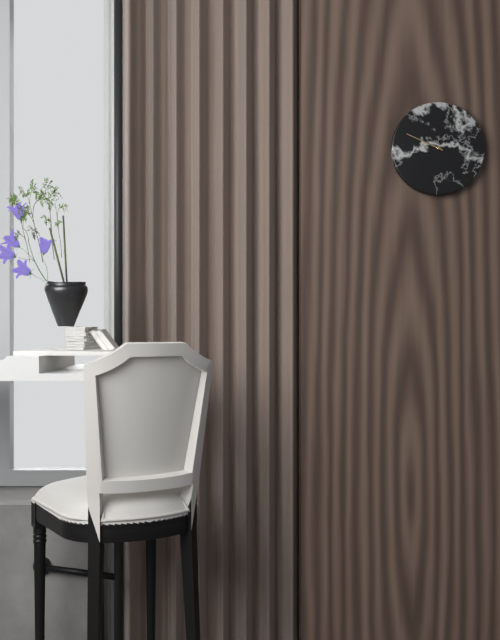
9h49
